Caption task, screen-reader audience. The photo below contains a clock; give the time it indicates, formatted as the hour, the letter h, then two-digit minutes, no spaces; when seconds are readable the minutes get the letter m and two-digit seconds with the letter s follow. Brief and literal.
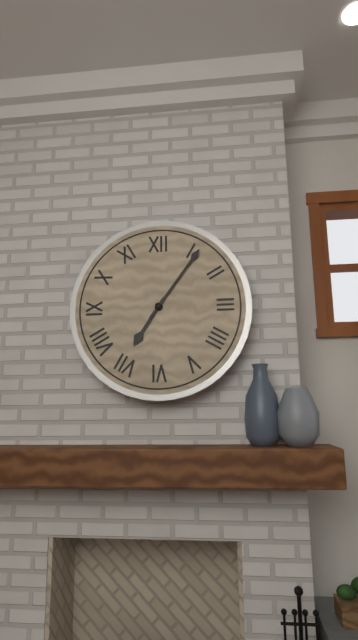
7h06
